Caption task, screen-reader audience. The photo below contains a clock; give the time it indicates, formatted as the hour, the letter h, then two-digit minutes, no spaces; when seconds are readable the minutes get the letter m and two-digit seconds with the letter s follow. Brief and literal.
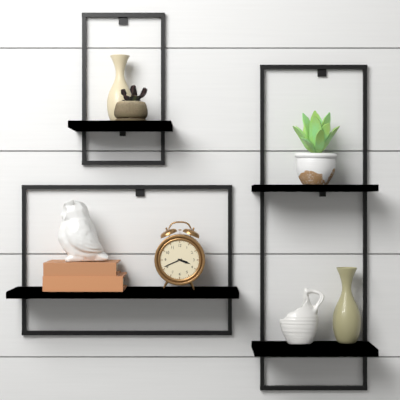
3h41
